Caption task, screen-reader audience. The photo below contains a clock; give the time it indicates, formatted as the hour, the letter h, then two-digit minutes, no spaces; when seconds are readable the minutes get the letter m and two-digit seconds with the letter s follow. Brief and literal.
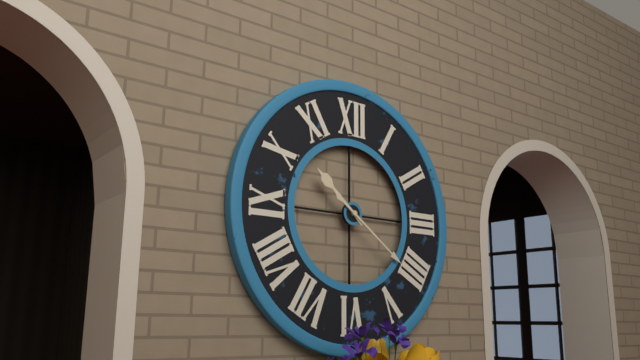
10h21
